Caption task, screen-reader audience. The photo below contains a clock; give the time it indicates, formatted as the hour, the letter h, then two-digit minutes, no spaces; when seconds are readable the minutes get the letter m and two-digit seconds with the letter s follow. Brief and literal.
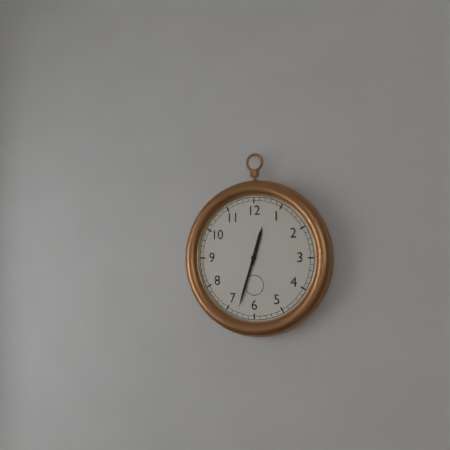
12h33
